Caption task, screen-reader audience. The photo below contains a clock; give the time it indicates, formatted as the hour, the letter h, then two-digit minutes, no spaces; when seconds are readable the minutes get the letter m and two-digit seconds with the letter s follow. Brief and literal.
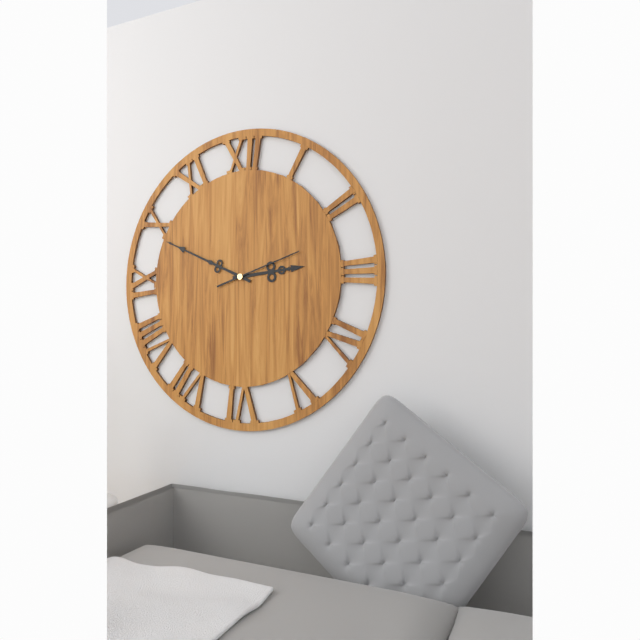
2h49m12s
